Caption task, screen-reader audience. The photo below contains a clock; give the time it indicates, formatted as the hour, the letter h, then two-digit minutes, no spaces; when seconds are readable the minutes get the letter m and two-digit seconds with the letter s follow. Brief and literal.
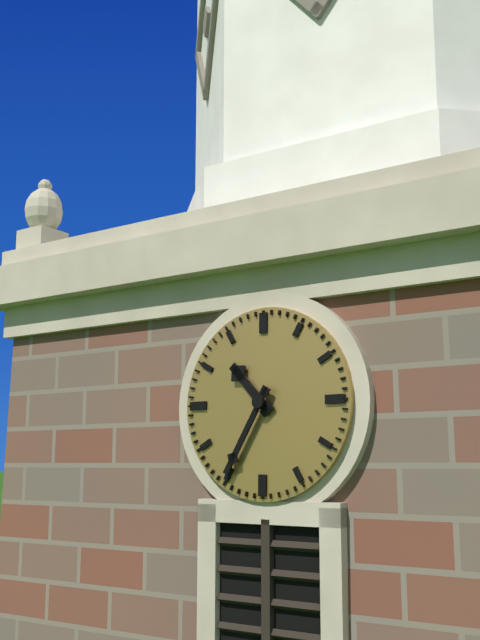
10h35
